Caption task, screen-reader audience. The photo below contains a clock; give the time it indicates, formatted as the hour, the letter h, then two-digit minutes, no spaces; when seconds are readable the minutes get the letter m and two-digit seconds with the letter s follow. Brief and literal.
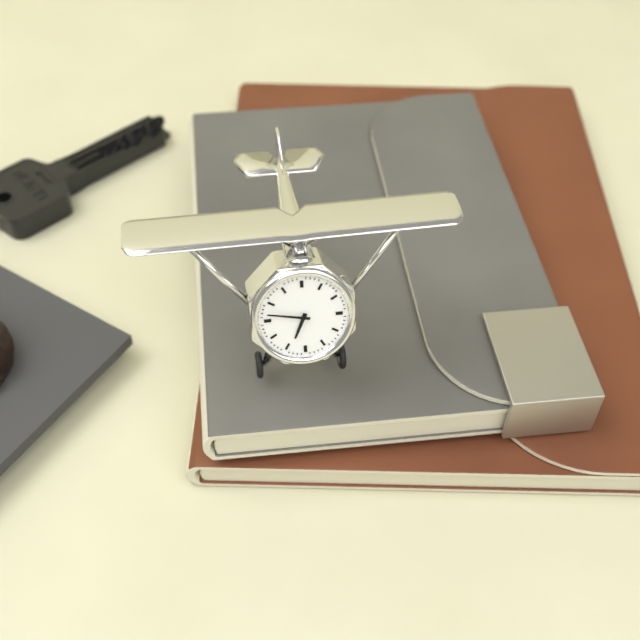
6h47
